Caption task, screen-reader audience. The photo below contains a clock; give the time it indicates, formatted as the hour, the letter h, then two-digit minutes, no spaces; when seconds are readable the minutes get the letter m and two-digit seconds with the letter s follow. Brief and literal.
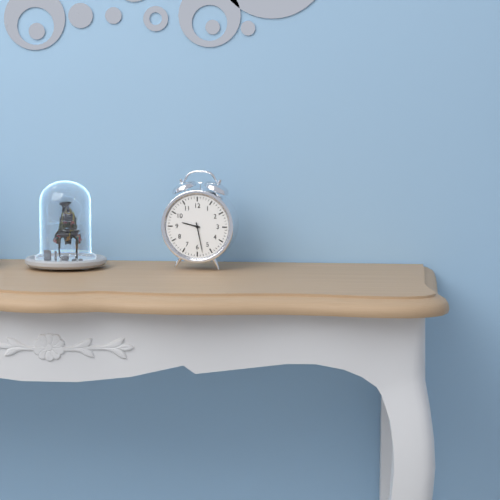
9h28
